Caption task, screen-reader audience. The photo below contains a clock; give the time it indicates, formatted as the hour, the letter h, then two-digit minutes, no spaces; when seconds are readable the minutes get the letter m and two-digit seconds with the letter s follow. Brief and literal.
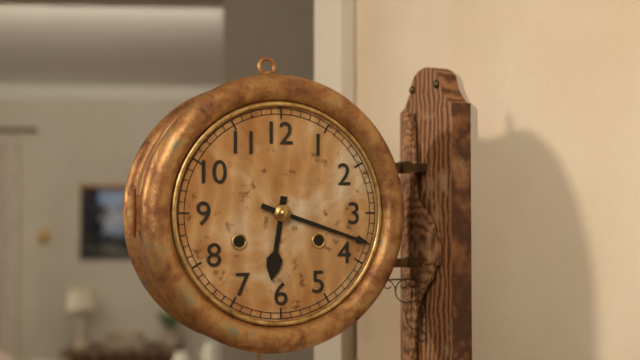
6h18
